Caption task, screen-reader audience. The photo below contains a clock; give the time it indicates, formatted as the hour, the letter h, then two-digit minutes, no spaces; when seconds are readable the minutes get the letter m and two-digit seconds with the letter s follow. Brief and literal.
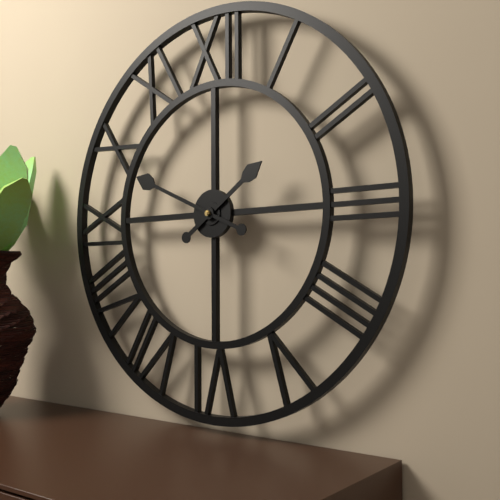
1h49
